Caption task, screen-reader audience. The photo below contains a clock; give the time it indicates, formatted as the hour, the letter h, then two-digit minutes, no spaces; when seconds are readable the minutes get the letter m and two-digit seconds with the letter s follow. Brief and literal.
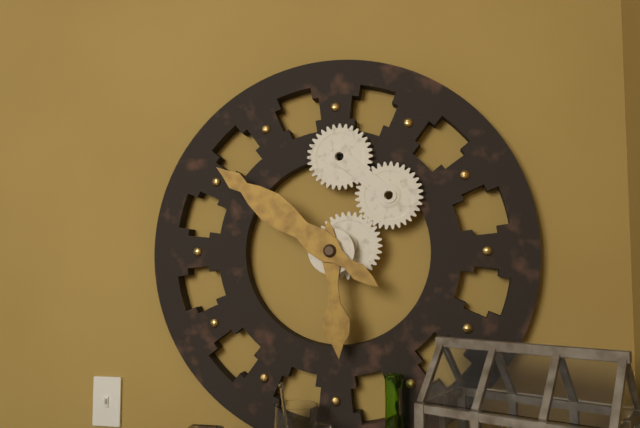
5h51
